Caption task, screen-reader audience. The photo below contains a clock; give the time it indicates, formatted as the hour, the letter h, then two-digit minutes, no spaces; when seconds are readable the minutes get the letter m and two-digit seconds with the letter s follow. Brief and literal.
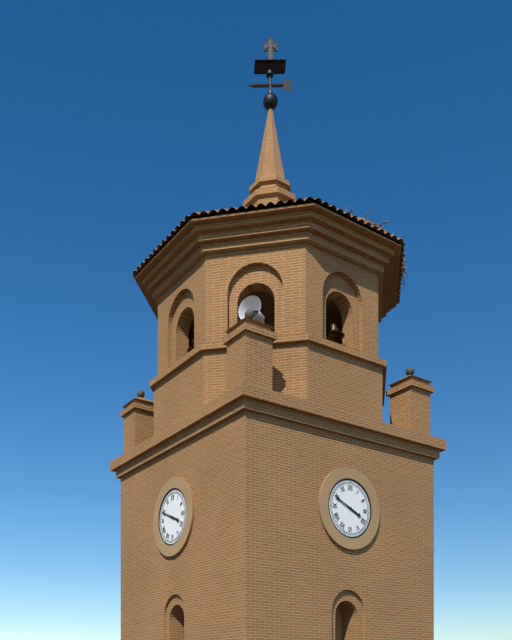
3h49
